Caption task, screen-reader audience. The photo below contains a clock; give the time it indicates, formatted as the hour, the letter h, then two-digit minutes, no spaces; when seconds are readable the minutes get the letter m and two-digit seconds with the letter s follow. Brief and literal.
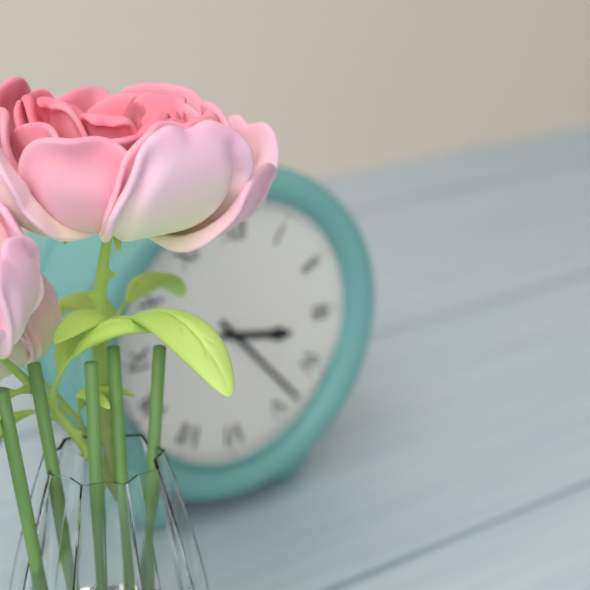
3h23
